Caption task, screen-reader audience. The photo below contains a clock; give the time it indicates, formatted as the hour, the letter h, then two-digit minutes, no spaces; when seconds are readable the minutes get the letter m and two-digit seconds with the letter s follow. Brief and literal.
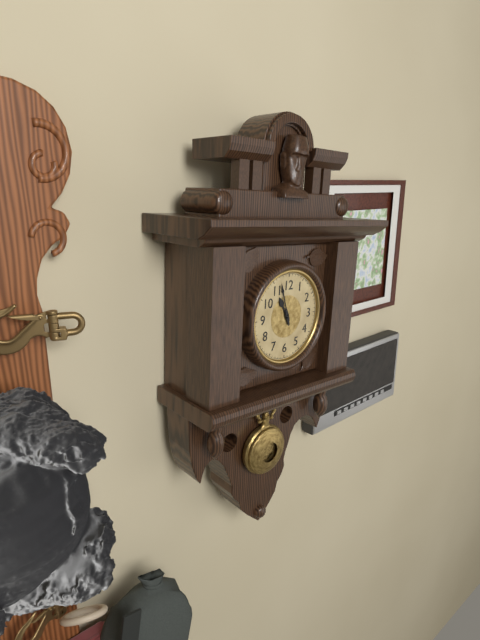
10h57
